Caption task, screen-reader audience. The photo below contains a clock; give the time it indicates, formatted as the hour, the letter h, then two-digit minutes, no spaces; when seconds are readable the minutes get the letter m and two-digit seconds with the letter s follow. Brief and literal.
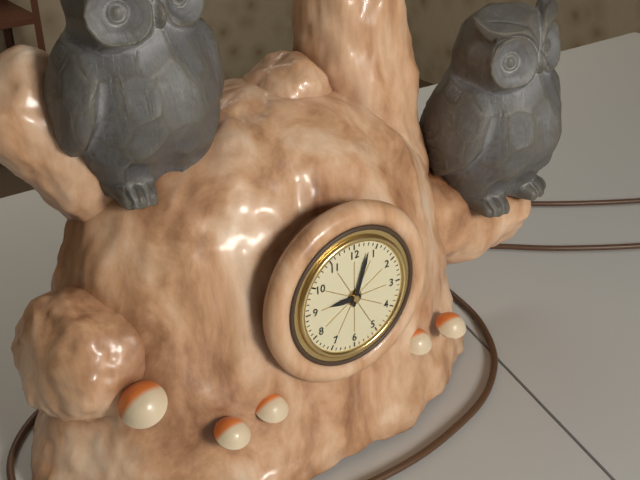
9h03
